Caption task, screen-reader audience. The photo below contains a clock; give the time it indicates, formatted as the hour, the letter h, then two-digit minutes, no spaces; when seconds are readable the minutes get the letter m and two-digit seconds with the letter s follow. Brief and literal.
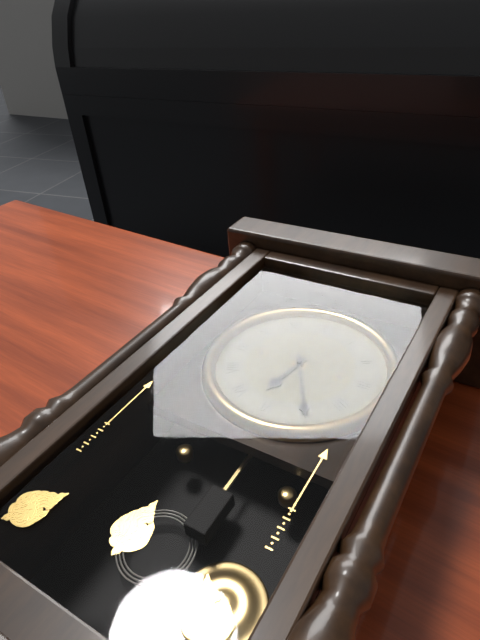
6h25
